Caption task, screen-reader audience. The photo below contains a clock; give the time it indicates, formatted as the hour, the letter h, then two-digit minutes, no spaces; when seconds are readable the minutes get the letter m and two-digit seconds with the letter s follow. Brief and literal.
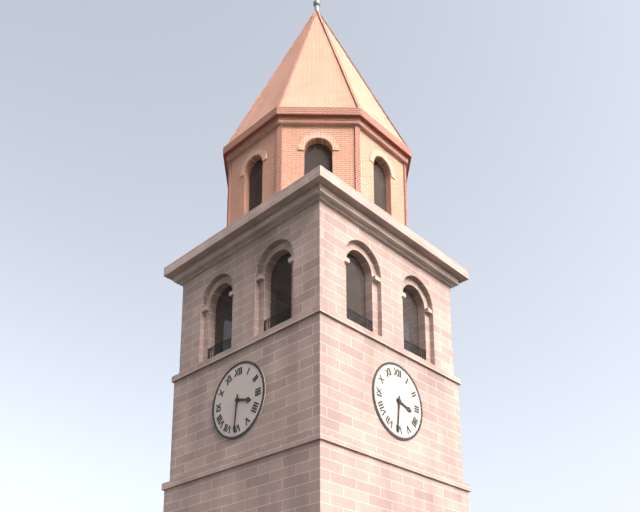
3h31
